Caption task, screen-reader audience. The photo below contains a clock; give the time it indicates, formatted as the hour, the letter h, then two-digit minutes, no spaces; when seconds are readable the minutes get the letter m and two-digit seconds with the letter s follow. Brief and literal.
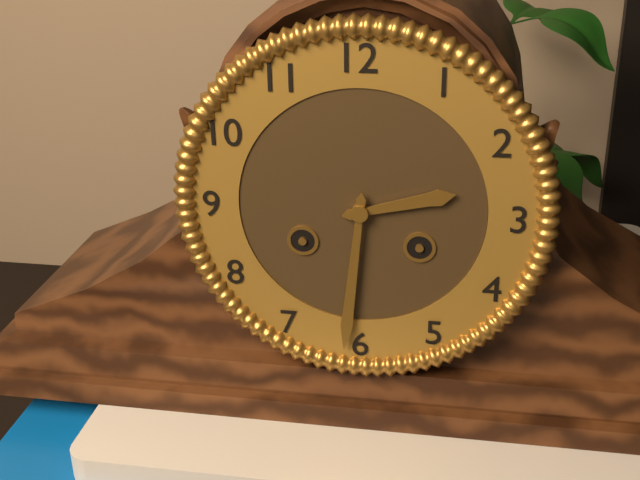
2h31
